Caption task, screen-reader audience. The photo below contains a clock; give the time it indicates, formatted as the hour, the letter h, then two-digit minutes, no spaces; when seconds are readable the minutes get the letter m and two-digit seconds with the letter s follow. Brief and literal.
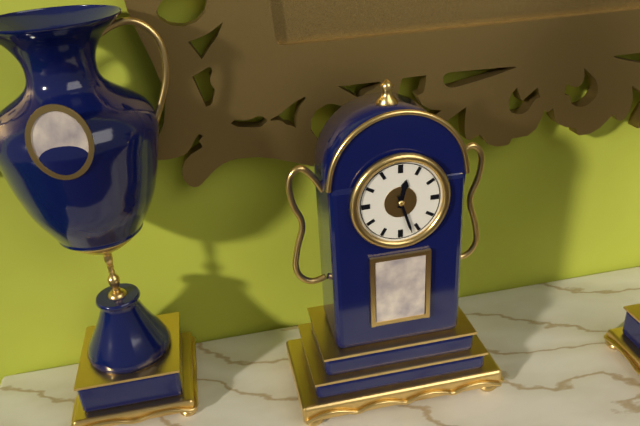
12h27
